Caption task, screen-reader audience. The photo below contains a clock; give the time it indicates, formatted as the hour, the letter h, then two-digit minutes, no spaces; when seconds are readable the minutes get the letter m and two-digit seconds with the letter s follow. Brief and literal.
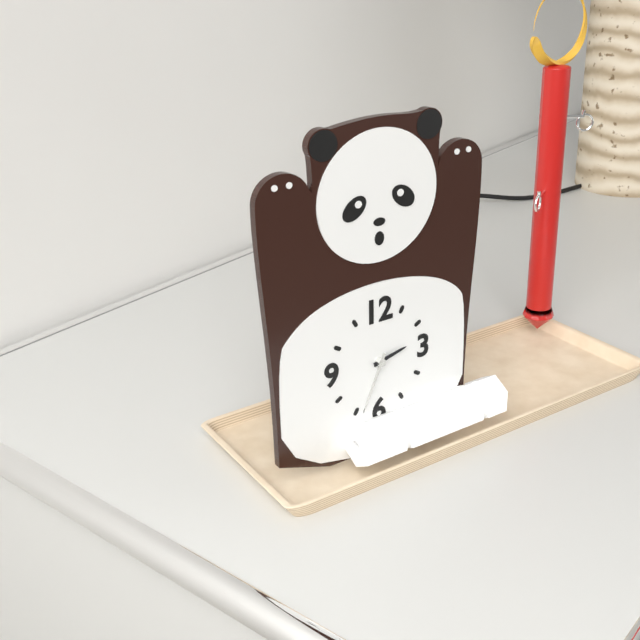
2h34
